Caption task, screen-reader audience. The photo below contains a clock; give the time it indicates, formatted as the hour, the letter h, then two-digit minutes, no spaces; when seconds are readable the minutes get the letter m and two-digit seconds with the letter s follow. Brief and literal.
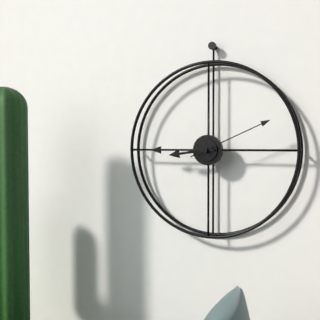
8h45m11s
